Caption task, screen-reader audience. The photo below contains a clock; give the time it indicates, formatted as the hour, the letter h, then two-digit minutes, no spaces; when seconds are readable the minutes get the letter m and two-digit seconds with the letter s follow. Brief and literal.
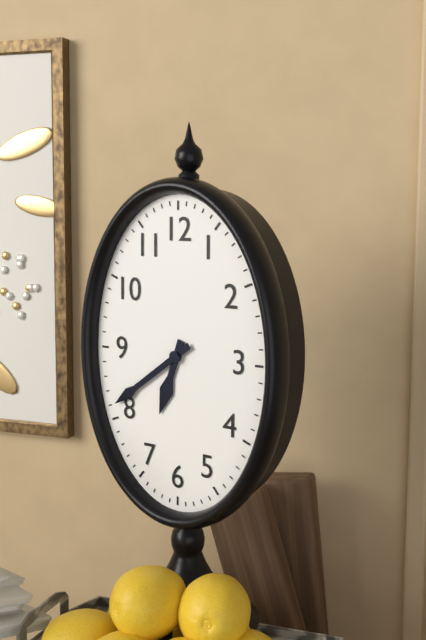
6h39
